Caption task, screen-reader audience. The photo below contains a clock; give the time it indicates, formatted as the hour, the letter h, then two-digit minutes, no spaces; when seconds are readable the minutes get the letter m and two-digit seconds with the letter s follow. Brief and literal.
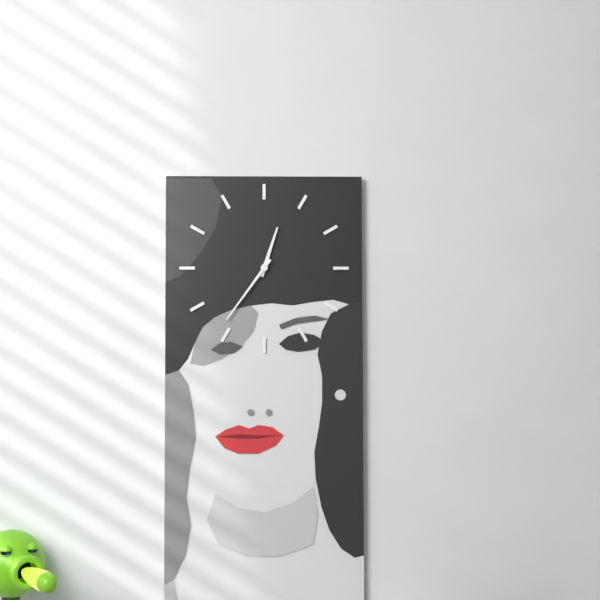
12h36
